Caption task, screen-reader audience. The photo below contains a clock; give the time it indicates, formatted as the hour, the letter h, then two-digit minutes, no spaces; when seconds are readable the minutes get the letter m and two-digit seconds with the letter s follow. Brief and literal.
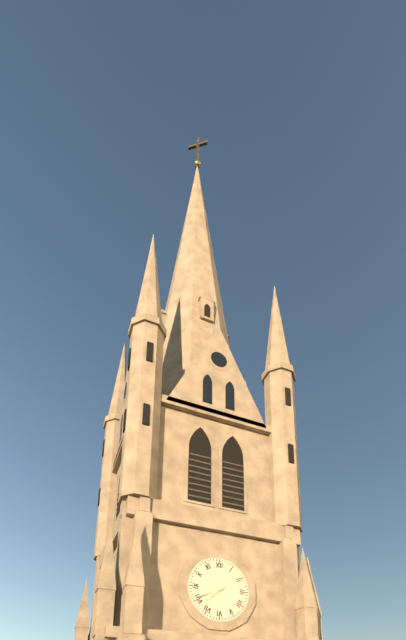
7h41
